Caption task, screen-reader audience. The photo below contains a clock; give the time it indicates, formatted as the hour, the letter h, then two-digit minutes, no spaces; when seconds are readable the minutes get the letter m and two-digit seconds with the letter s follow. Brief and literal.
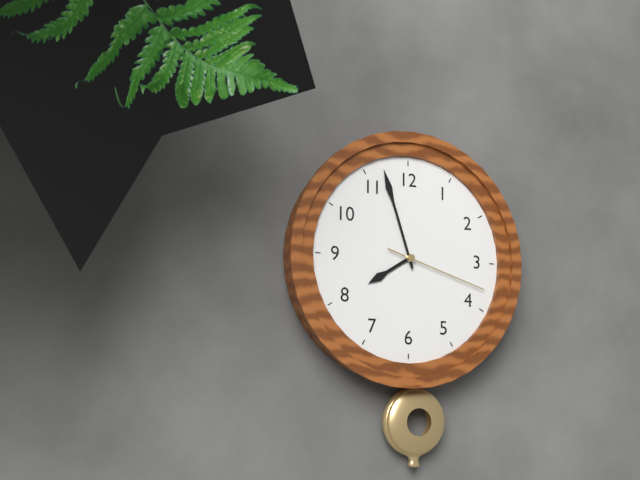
7h57m18s
